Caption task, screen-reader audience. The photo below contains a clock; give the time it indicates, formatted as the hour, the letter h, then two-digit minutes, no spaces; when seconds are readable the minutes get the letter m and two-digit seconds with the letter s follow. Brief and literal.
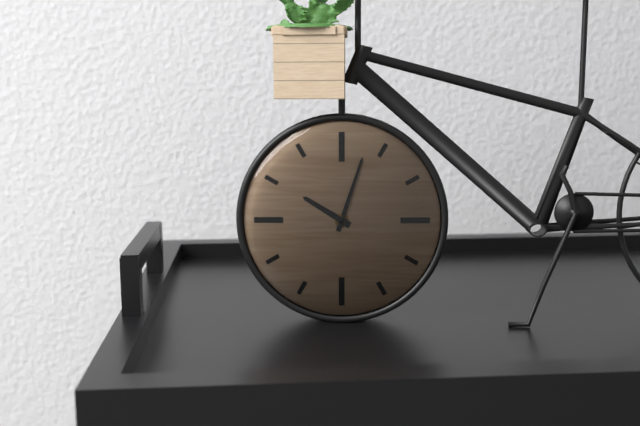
10h03
